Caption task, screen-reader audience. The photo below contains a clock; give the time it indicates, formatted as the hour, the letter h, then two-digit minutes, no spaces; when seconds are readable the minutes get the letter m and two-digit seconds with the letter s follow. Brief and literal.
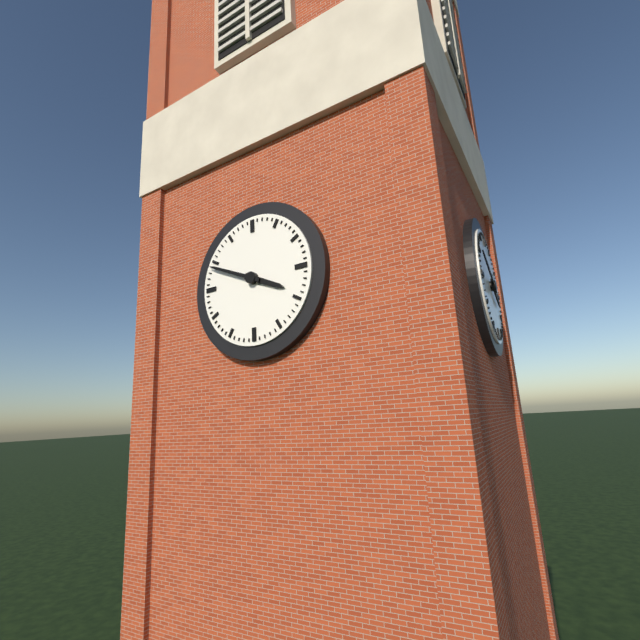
3h49
